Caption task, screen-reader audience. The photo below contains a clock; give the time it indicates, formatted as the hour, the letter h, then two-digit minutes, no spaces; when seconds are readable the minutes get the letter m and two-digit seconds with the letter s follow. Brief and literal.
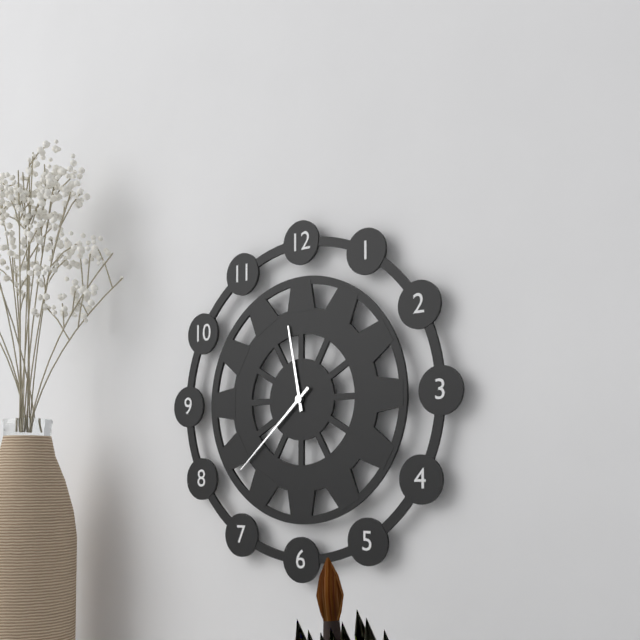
11h38
